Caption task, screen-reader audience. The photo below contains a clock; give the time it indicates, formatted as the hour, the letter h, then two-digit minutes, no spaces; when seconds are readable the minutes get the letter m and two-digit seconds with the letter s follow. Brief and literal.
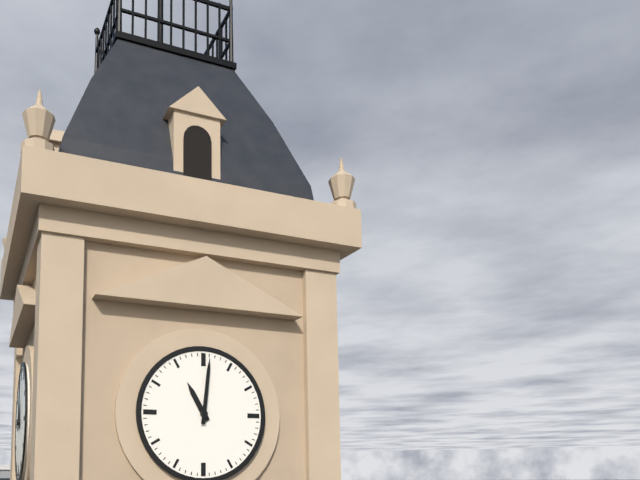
11h01
